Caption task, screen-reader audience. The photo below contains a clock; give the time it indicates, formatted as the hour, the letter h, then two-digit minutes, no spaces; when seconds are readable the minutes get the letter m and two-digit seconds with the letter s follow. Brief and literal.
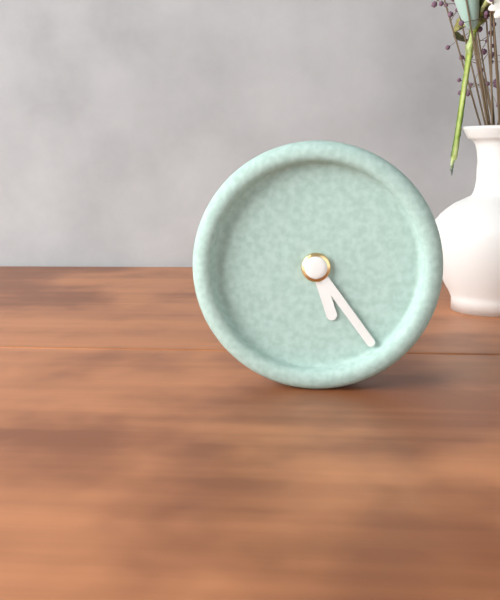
5h24
